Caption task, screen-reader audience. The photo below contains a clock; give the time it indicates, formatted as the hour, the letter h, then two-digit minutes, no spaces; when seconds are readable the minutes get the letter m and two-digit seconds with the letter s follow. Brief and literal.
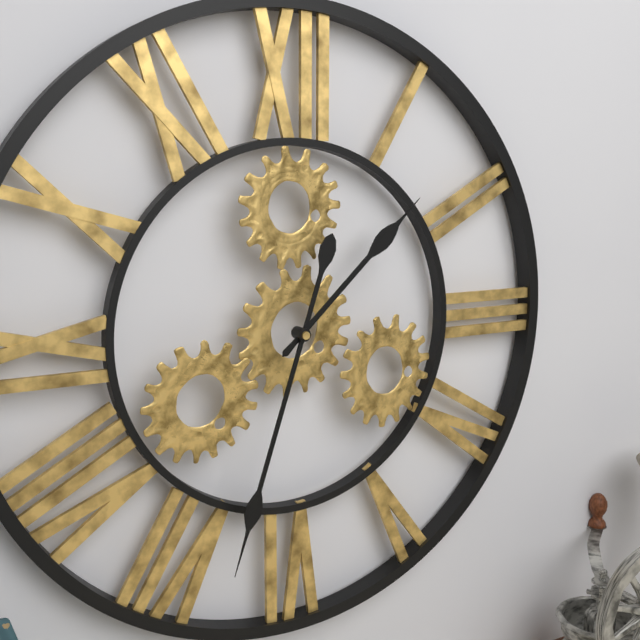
1h33
